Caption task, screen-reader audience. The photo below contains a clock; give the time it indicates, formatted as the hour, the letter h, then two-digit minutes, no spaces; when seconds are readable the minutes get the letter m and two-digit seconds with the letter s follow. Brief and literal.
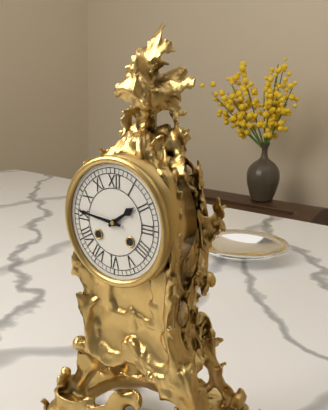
1h46
